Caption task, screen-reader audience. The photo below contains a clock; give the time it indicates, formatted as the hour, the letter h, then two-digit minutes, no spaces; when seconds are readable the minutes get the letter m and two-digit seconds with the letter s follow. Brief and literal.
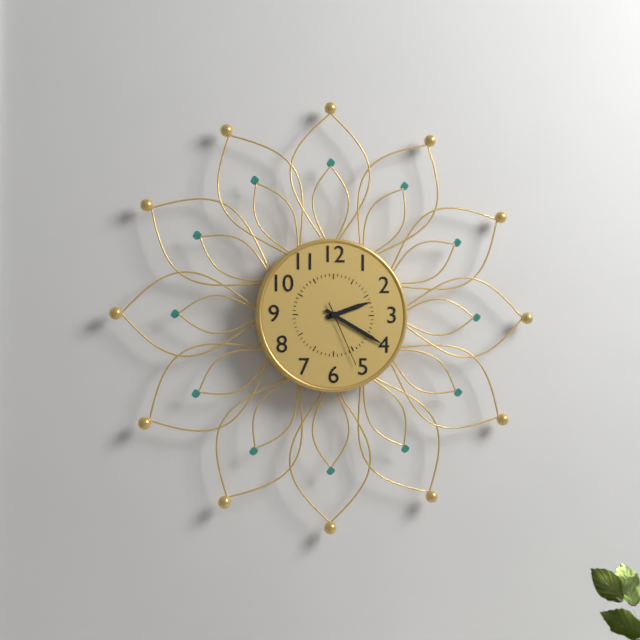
2h20m26s
